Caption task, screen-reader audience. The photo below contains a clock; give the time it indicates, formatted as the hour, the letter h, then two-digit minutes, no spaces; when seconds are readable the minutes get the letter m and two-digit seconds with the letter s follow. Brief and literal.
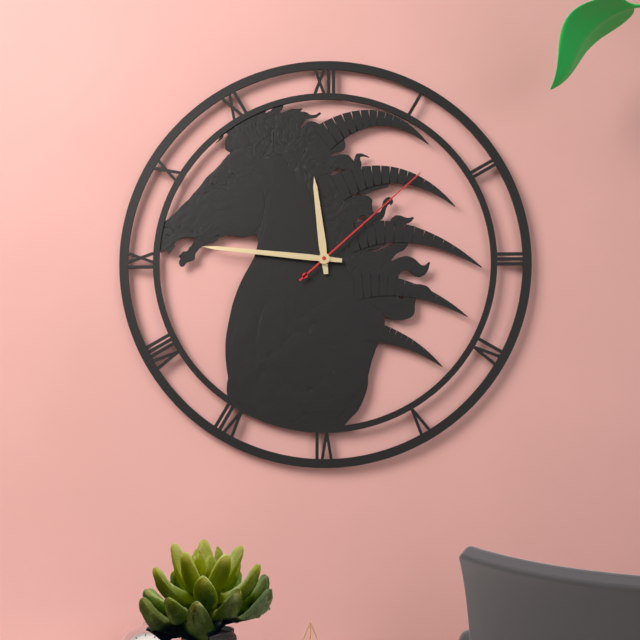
11h46m08s
